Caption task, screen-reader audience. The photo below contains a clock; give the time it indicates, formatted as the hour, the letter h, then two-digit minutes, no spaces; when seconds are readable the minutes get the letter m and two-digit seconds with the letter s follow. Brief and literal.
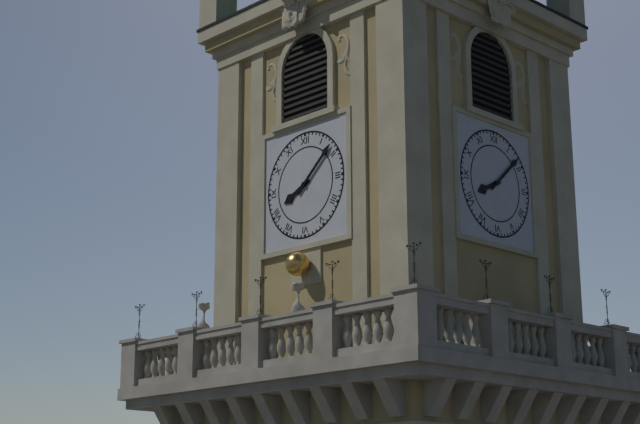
8h08
